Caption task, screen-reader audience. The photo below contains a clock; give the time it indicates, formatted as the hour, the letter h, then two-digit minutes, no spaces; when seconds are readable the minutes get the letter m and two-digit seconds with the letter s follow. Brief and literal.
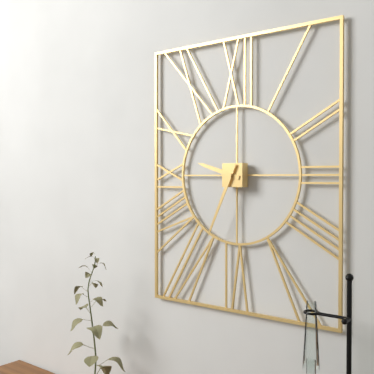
9h34
